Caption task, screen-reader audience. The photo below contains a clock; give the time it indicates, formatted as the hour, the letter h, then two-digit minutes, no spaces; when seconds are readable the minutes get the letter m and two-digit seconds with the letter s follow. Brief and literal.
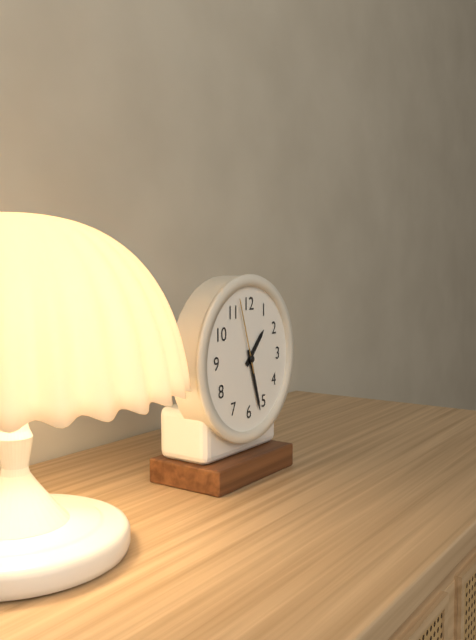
1h27m57s
